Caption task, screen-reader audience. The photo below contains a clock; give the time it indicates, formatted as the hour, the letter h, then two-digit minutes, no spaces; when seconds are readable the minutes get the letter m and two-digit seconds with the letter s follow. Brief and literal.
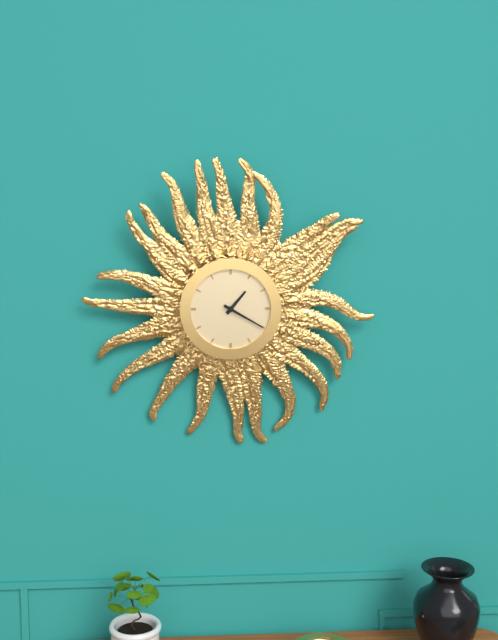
1h20
